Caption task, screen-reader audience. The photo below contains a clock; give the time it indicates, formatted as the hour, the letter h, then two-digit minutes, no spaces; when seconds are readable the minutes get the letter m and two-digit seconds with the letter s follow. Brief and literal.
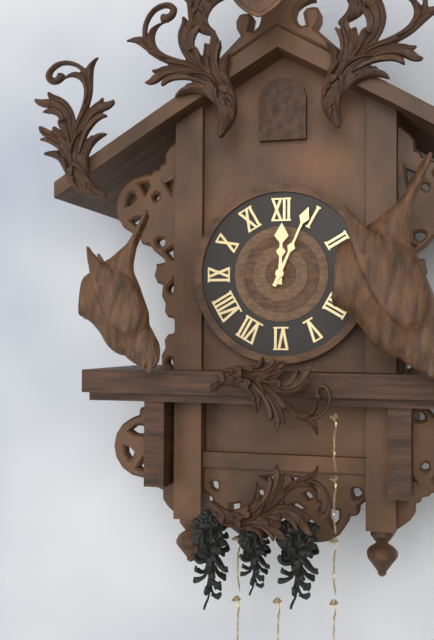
12h04
